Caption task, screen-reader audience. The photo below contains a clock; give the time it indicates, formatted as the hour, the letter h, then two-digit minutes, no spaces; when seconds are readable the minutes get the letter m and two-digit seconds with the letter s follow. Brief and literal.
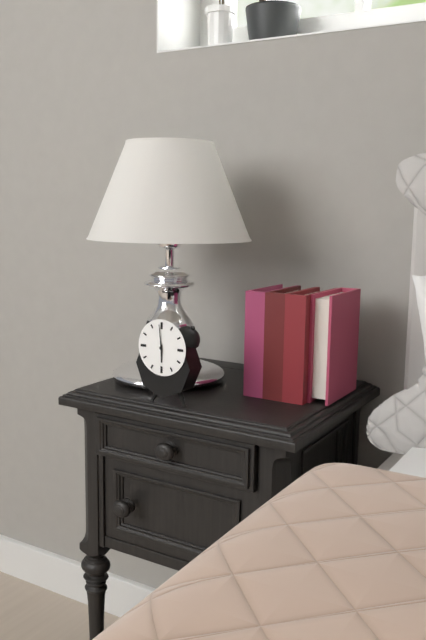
5h59
